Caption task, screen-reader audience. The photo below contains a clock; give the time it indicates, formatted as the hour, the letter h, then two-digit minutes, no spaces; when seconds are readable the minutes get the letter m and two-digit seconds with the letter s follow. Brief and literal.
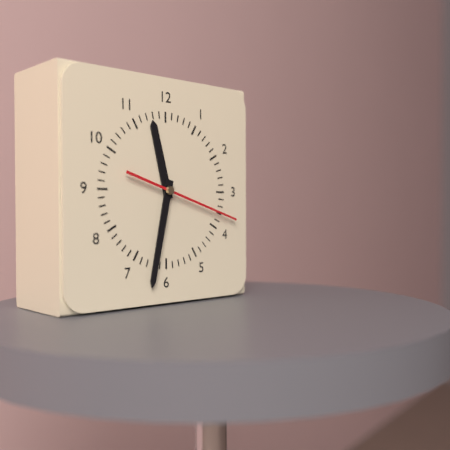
11h32m18s
